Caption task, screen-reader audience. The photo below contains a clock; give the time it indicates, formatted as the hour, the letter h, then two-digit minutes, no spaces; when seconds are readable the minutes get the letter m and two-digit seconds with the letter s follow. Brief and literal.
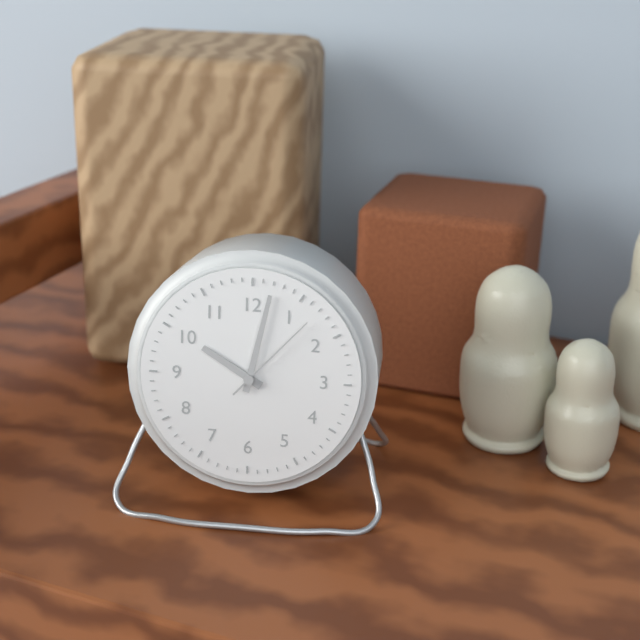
10h02m07s
